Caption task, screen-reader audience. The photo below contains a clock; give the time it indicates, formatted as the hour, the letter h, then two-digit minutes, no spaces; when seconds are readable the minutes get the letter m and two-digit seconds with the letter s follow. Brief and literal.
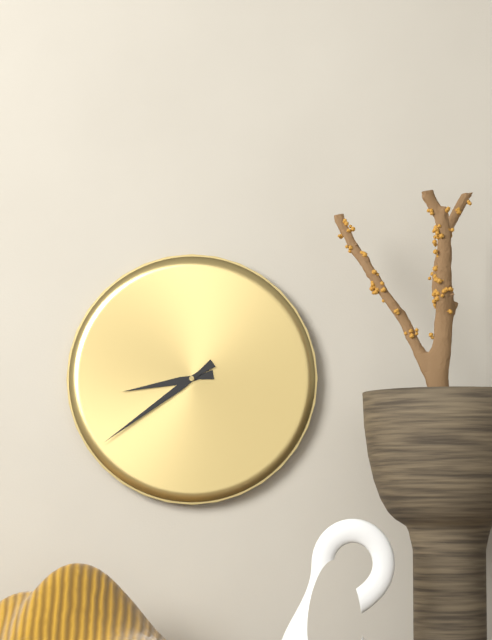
8h39
